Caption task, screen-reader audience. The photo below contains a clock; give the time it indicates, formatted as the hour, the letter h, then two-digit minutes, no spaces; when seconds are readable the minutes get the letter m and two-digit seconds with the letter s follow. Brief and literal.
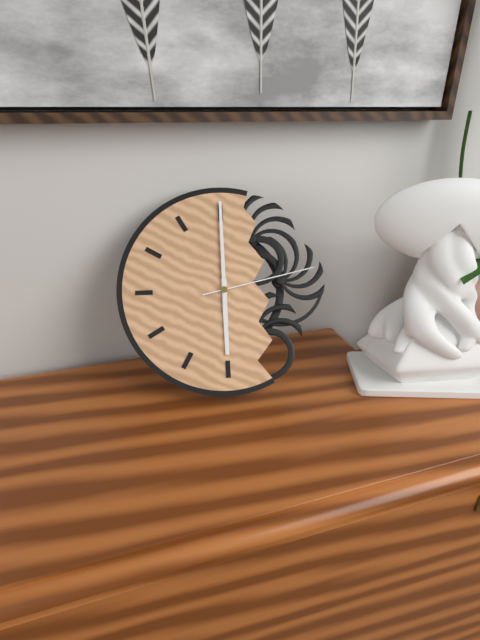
6h00m13s
